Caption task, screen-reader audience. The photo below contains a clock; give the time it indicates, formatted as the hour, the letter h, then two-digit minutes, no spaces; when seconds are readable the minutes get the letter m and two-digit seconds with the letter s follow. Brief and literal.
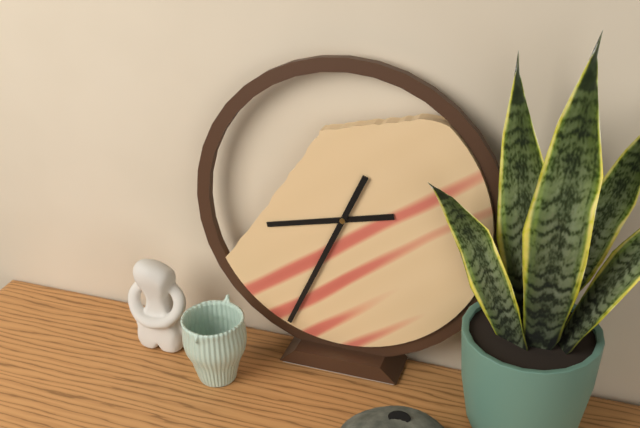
8h34
